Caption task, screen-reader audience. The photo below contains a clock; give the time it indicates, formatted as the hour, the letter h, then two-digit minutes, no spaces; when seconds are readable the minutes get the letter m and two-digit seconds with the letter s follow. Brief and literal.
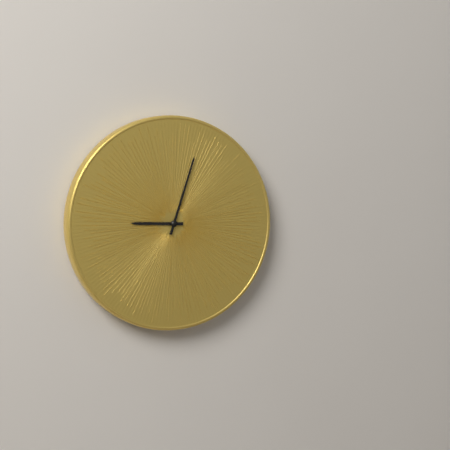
9h03
